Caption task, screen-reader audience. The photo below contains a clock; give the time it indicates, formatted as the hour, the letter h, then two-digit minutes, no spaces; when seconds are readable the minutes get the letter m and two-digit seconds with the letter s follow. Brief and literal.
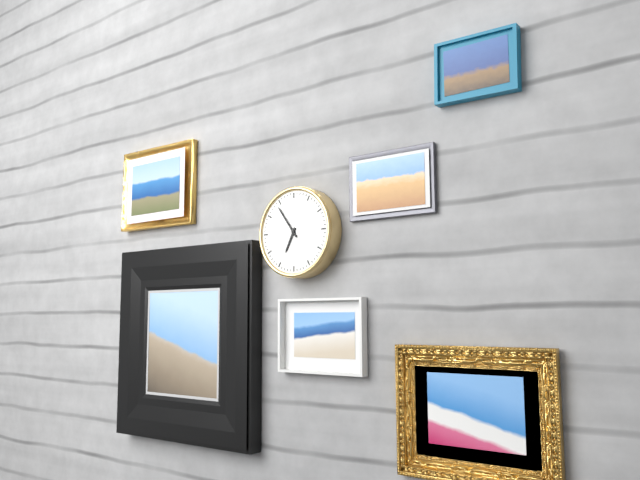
6h54
